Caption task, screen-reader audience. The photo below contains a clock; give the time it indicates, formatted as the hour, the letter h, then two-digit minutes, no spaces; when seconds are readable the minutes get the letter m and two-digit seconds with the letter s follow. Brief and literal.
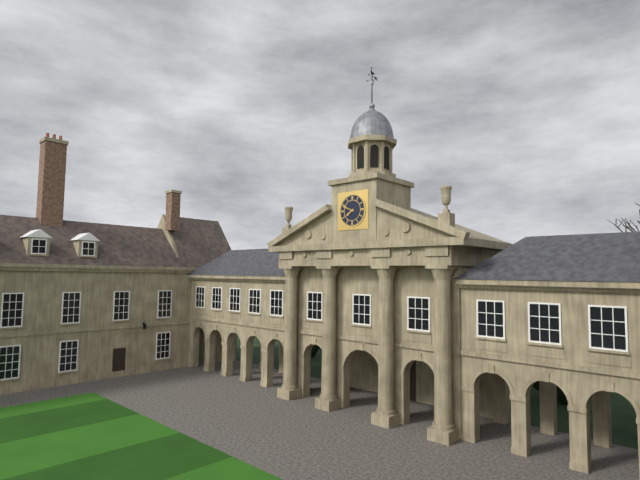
7h49
